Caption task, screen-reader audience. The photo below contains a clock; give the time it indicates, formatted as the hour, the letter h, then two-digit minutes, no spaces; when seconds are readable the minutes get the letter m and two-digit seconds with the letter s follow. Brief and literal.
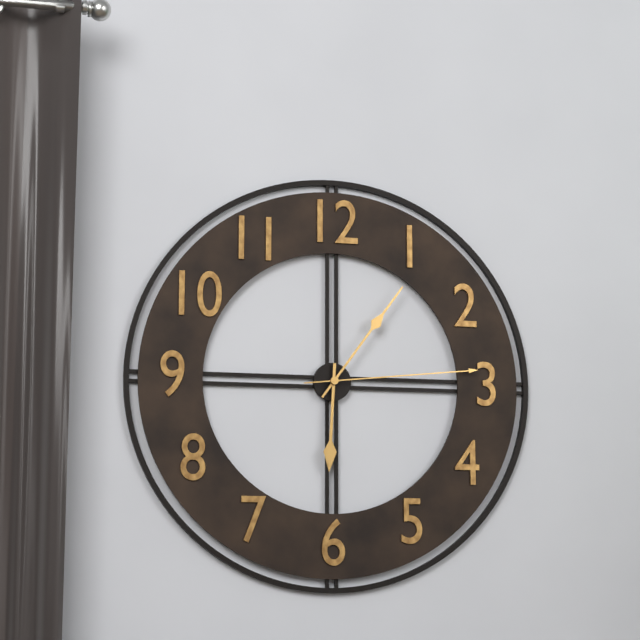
6h06m14s
